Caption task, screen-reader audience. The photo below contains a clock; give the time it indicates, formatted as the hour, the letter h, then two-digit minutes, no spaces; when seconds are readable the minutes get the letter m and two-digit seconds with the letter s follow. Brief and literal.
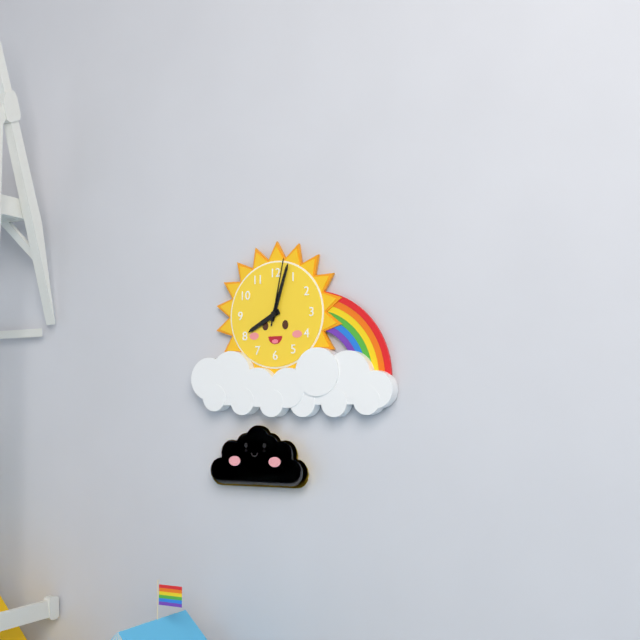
8h03m02s
